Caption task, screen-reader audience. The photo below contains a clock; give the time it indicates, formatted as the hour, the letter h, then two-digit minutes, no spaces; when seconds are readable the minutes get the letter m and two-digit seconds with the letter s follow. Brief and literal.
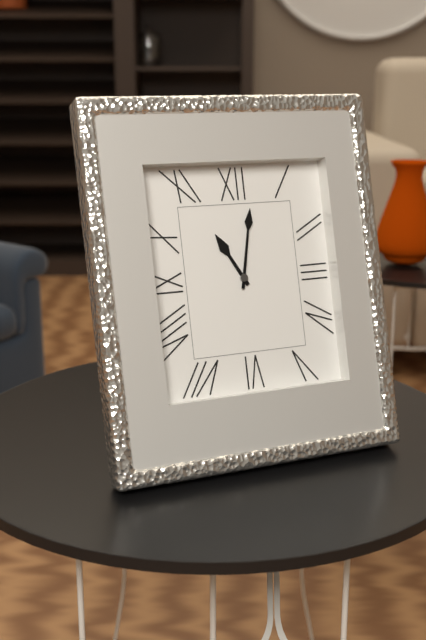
11h02
